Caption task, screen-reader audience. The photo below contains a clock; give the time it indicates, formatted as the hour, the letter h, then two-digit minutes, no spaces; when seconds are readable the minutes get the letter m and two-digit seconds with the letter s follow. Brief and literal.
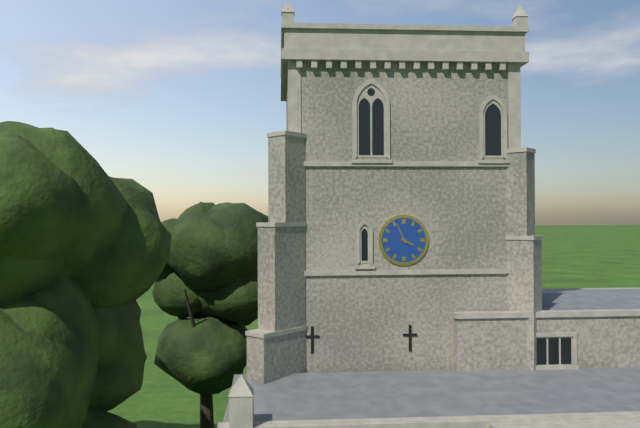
3h56
